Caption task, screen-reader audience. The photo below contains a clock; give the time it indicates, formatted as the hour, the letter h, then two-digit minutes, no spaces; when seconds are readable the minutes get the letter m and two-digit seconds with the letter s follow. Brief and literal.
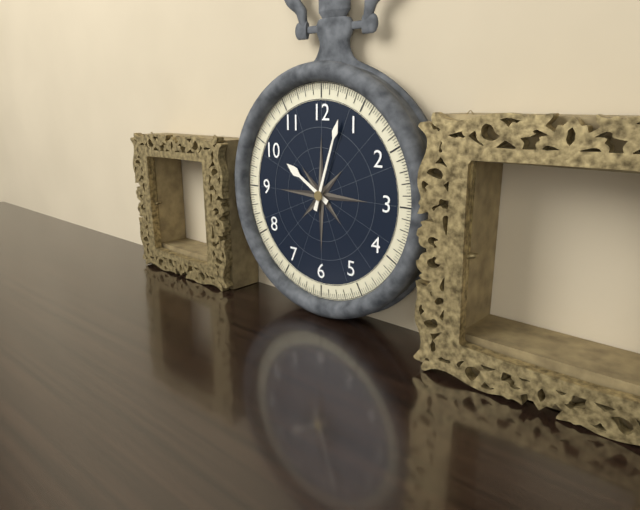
10h03
